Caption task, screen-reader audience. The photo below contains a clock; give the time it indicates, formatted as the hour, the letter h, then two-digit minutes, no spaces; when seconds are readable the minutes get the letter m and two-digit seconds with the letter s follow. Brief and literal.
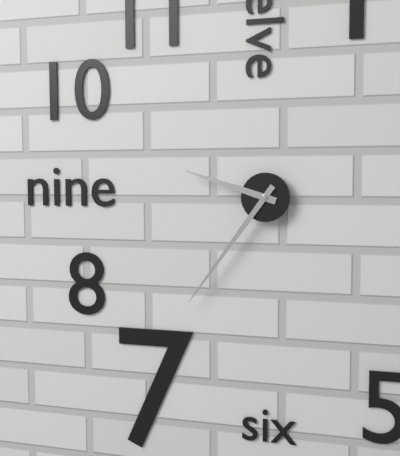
9h36
